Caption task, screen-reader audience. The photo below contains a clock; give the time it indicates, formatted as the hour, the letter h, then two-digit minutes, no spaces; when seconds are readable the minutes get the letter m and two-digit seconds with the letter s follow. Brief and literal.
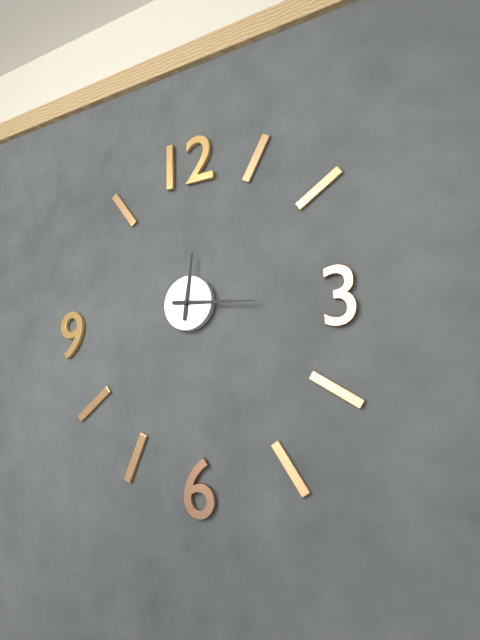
12h16
